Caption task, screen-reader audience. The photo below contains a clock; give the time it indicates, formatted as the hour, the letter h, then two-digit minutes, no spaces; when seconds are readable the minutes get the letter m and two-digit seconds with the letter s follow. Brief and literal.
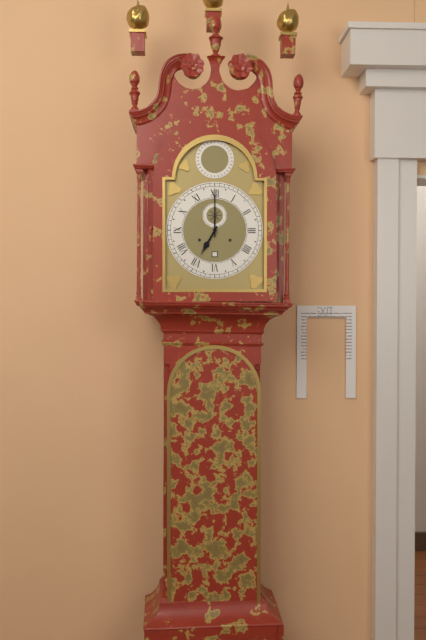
7h00
